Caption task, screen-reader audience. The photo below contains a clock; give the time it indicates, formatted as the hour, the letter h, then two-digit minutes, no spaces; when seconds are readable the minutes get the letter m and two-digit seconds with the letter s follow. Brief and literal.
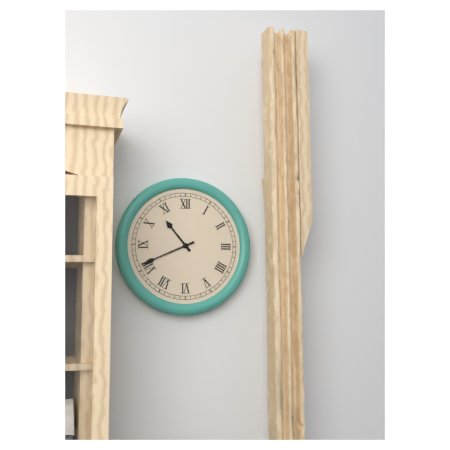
10h41
